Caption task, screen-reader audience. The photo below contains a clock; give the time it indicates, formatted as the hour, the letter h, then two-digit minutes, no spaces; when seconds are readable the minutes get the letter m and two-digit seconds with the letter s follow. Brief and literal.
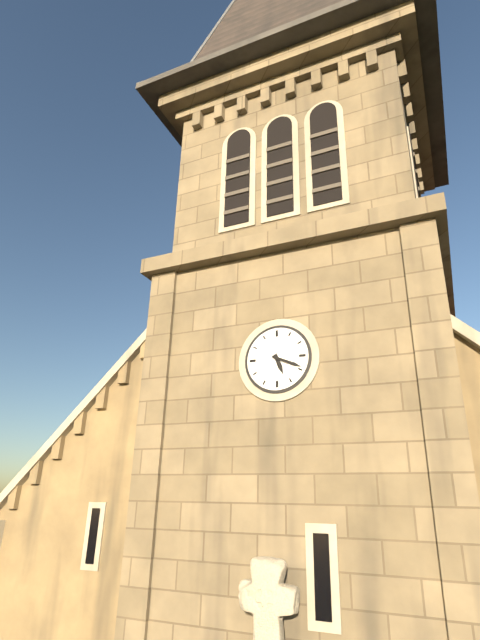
5h19
